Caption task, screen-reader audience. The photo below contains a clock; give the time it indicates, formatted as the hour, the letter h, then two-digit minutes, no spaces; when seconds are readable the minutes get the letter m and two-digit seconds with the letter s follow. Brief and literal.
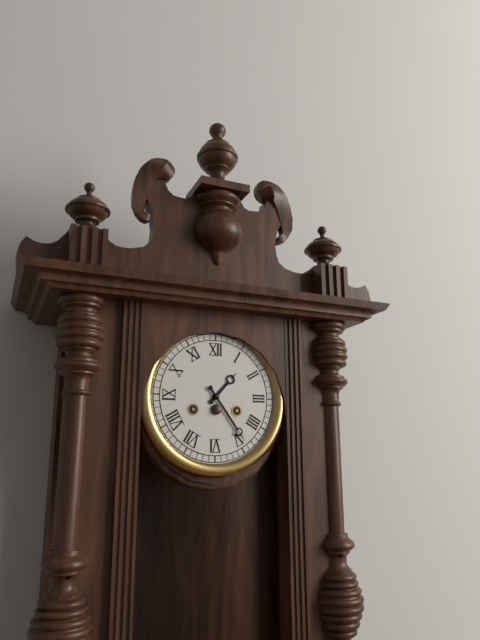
1h24
